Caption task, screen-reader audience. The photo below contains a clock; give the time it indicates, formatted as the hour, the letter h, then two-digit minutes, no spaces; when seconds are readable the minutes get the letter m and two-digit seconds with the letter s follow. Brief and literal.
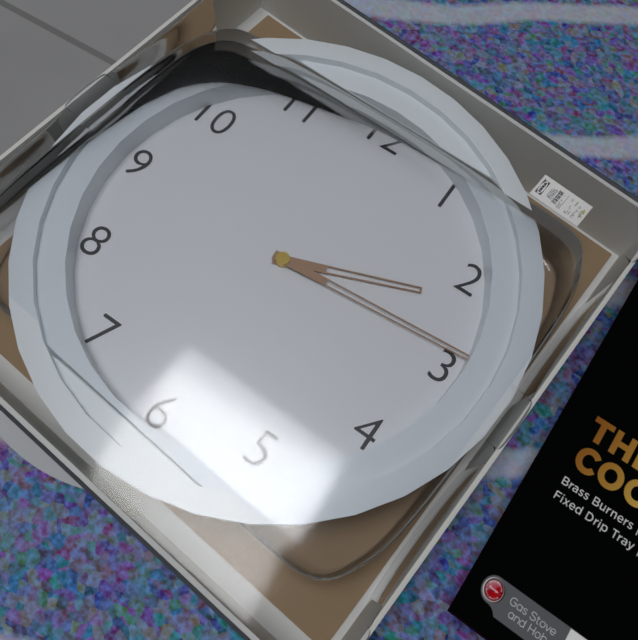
2h14
